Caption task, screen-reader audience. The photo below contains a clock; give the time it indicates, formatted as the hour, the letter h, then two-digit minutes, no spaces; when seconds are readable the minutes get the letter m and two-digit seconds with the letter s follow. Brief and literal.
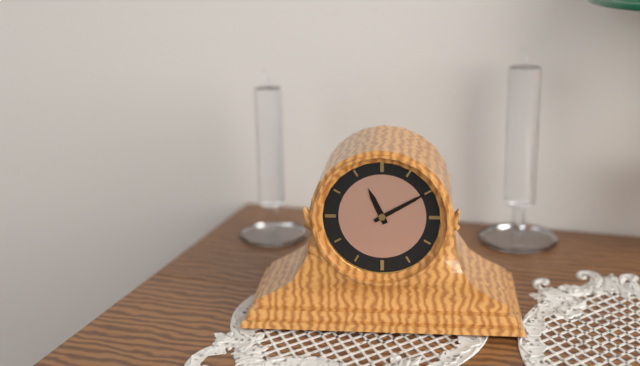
11h10
